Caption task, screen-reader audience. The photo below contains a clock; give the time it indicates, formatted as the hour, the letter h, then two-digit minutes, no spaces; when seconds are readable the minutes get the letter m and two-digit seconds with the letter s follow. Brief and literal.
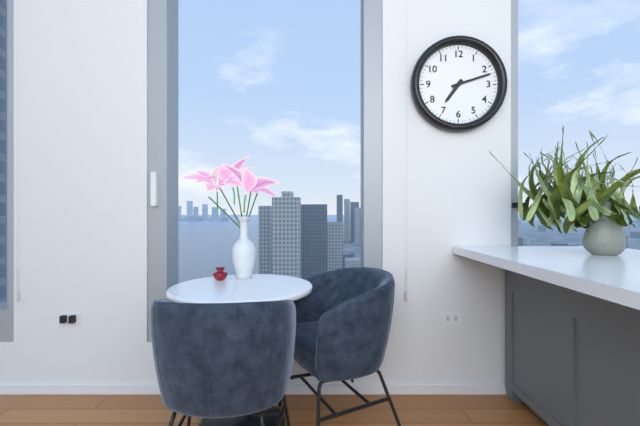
7h12
